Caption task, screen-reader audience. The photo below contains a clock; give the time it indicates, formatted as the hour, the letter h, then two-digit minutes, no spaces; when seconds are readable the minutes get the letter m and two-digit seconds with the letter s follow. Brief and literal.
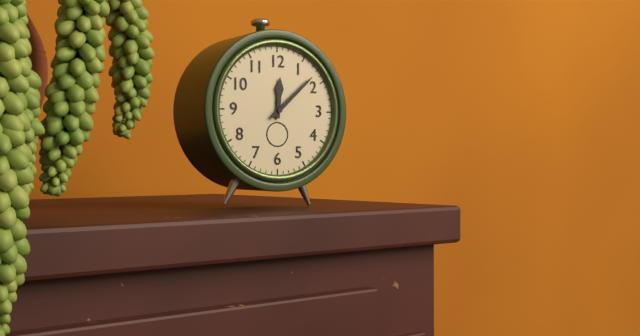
12h08
